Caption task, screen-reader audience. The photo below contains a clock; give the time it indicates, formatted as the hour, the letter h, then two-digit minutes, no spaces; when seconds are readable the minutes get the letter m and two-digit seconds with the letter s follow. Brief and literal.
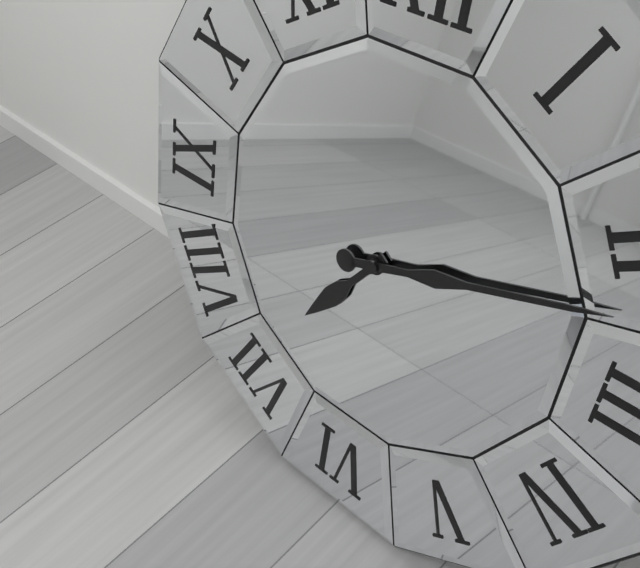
7h12
